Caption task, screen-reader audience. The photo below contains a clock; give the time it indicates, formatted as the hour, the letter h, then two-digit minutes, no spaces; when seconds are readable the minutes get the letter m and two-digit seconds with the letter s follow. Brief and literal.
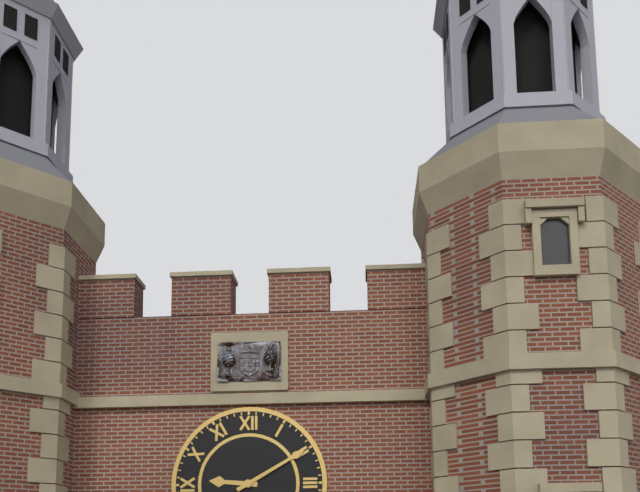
9h10
